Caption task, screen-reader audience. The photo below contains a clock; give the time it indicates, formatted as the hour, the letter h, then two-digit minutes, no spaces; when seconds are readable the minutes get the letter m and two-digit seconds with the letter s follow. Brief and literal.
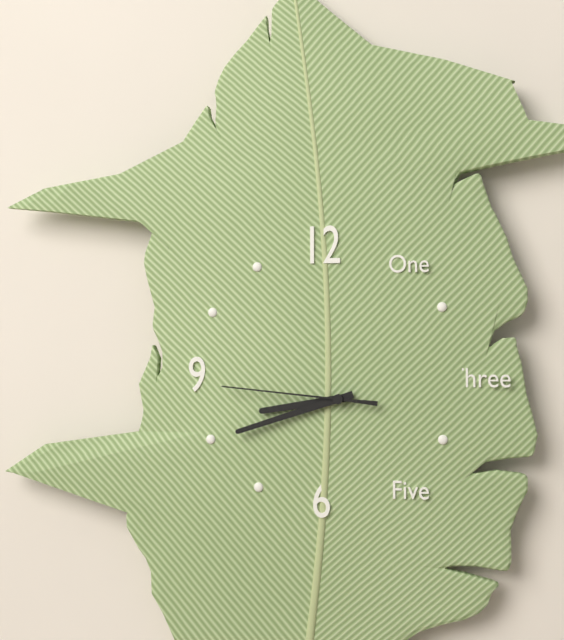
8h42m46s
